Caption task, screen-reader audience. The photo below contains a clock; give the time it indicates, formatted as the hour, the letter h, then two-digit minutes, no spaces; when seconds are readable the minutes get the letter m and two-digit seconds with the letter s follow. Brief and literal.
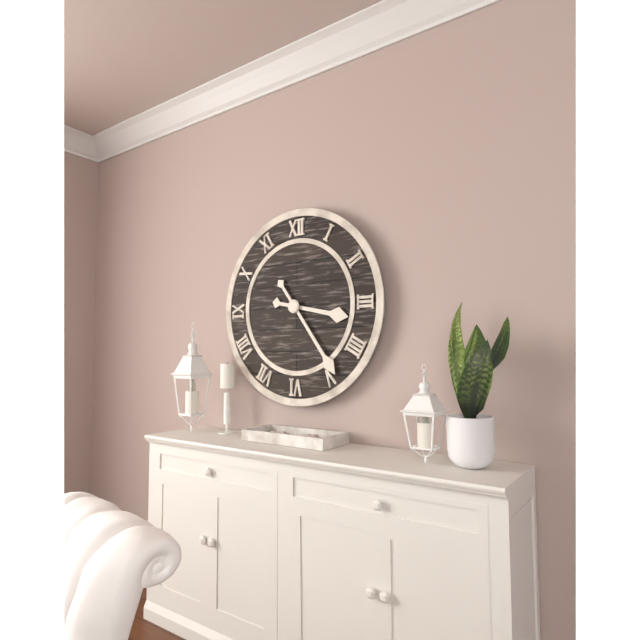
3h24
